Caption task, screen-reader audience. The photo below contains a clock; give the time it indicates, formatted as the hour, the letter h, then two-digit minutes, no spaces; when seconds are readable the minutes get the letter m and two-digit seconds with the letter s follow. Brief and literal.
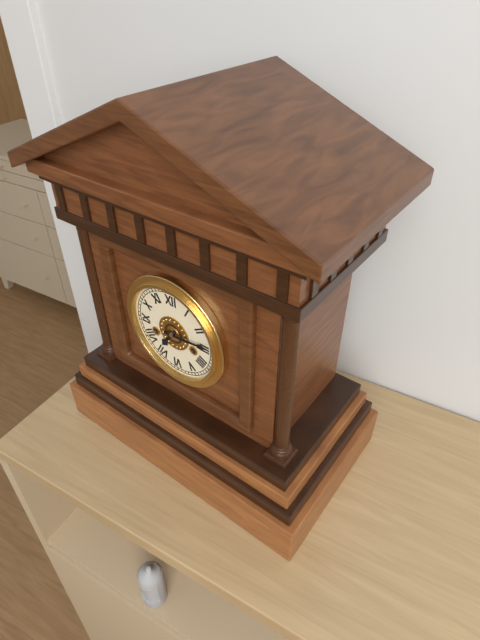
7h14
